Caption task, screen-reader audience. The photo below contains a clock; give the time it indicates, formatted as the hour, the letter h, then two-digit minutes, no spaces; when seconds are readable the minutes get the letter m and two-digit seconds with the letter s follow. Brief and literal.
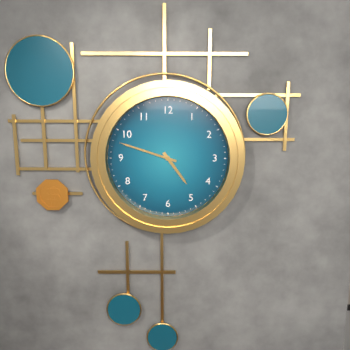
4h48
